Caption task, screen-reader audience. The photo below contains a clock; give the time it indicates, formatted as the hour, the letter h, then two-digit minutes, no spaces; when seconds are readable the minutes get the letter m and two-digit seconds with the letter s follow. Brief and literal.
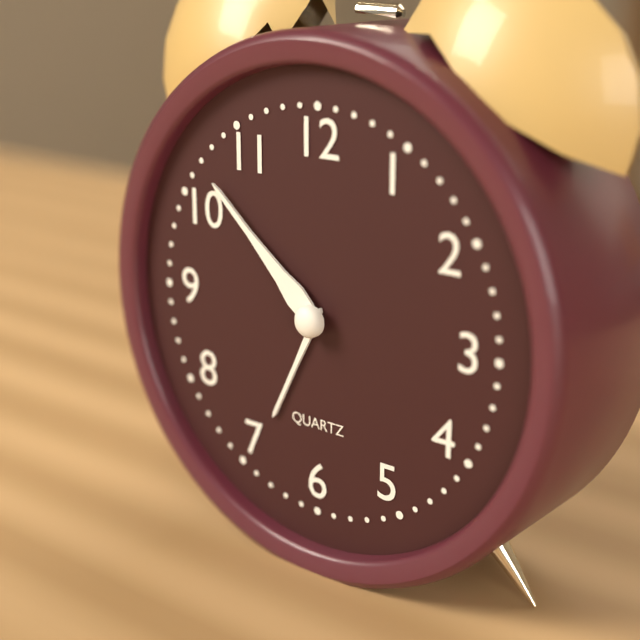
6h52
